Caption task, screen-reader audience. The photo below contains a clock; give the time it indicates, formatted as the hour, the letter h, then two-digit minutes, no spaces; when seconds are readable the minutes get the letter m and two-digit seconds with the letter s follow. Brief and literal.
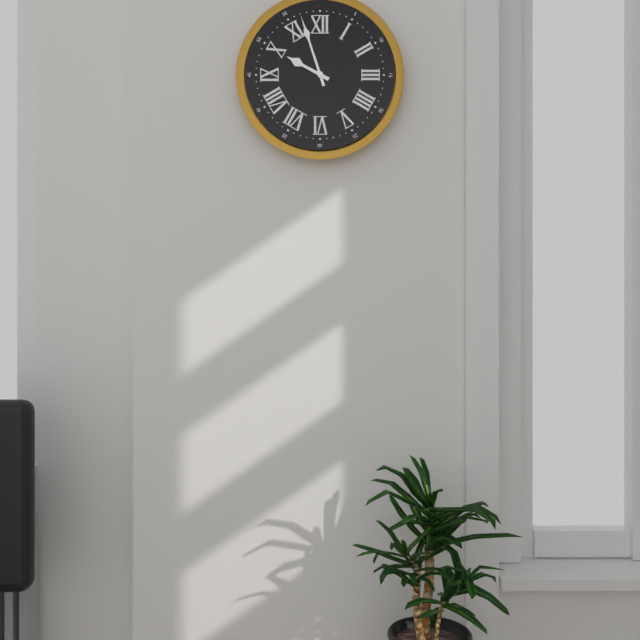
9h57
